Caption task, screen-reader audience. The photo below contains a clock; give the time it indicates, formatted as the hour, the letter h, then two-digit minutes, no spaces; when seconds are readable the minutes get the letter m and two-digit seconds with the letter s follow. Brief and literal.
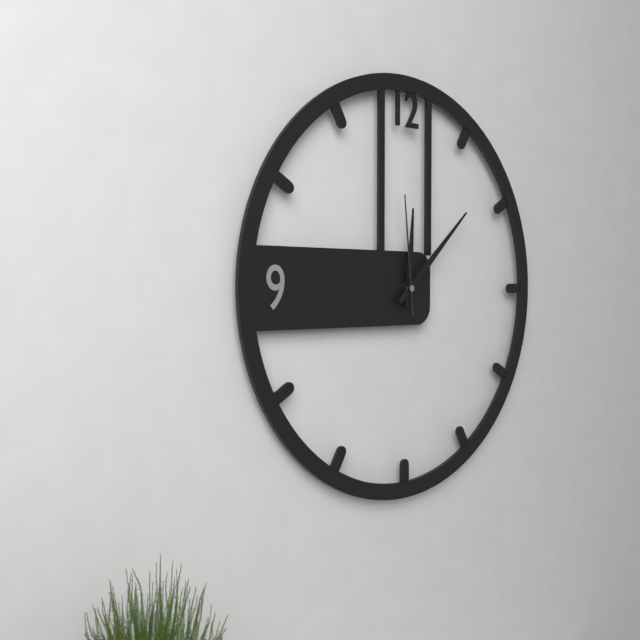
12h08m59s
